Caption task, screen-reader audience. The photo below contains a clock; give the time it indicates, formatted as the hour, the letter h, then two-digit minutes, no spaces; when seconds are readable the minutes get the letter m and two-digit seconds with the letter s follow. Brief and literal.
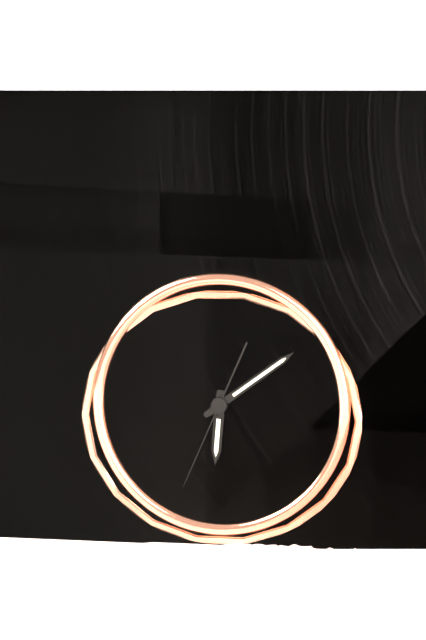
6h09m34s
